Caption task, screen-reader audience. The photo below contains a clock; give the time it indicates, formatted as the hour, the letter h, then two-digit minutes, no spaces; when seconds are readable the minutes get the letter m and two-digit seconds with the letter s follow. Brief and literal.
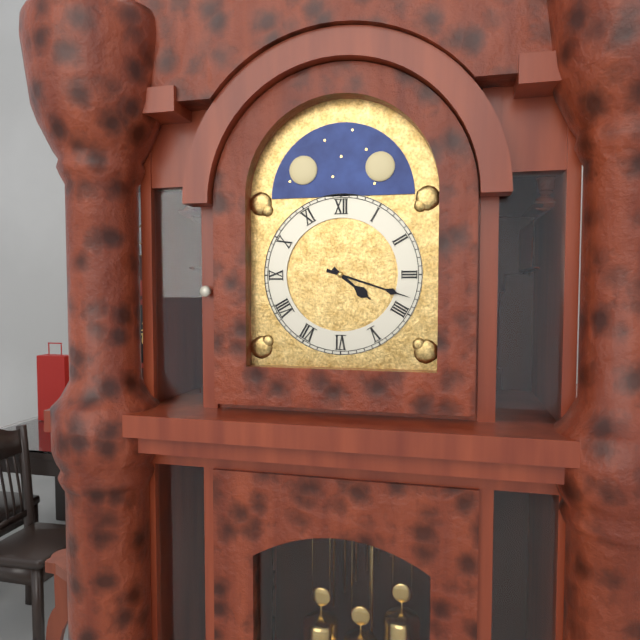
4h18
